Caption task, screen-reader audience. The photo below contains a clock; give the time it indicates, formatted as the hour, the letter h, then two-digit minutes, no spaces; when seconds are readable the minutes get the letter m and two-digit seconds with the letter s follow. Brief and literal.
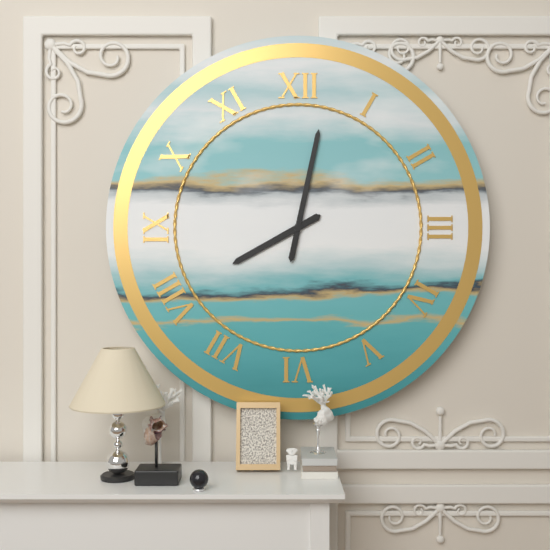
8h02
